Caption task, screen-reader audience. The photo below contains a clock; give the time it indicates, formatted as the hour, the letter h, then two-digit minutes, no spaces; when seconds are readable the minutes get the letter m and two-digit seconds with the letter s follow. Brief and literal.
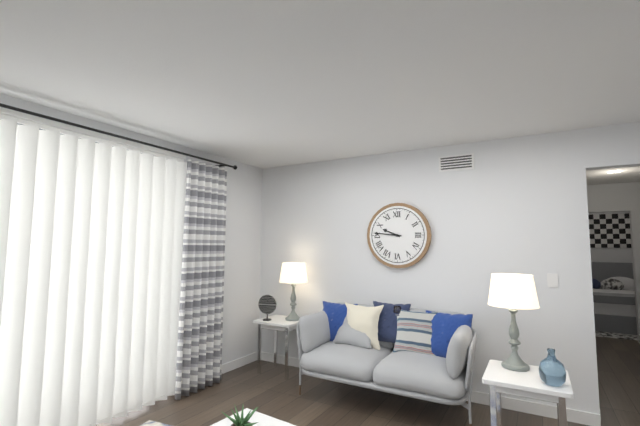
9h46
